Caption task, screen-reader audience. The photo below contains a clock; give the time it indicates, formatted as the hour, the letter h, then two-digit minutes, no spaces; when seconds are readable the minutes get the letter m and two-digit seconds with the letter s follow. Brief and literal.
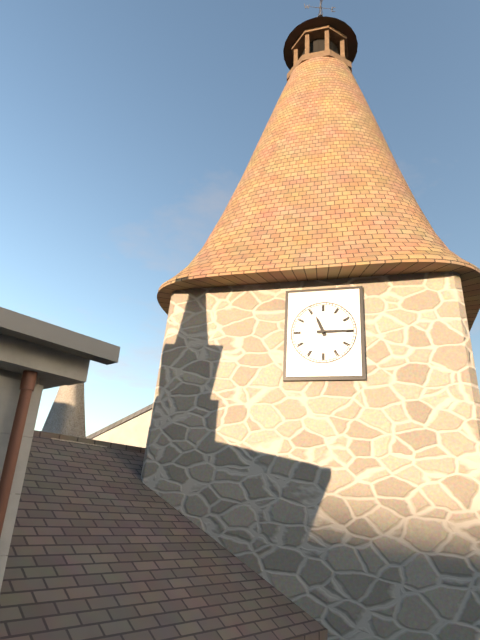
11h15
